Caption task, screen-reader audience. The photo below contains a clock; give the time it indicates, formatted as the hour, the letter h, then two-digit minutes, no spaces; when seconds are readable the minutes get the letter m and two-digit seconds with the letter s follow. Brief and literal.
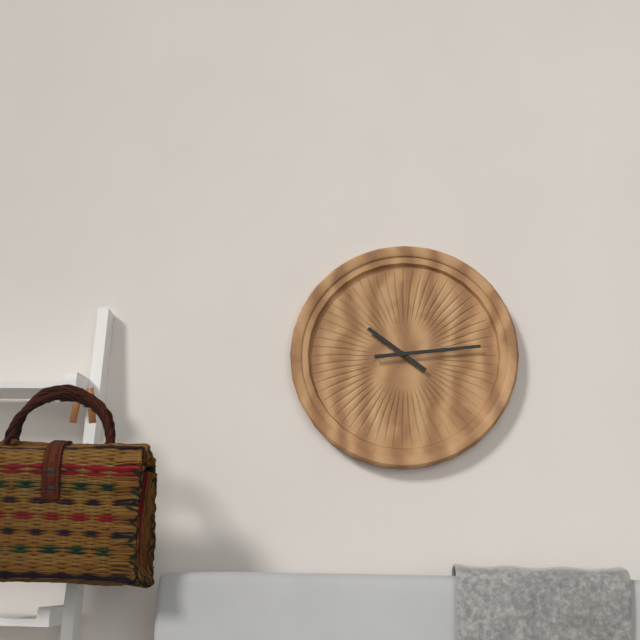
10h14
